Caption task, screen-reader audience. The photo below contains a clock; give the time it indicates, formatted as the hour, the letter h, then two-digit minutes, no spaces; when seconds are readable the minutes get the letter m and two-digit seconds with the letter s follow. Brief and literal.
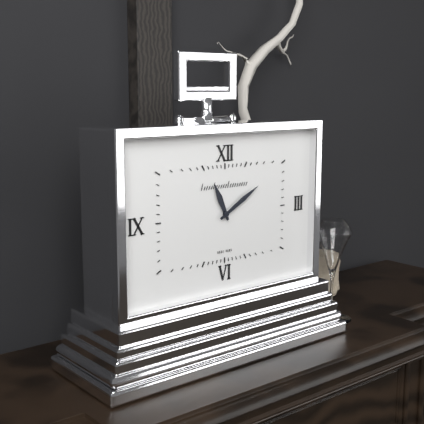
11h10
